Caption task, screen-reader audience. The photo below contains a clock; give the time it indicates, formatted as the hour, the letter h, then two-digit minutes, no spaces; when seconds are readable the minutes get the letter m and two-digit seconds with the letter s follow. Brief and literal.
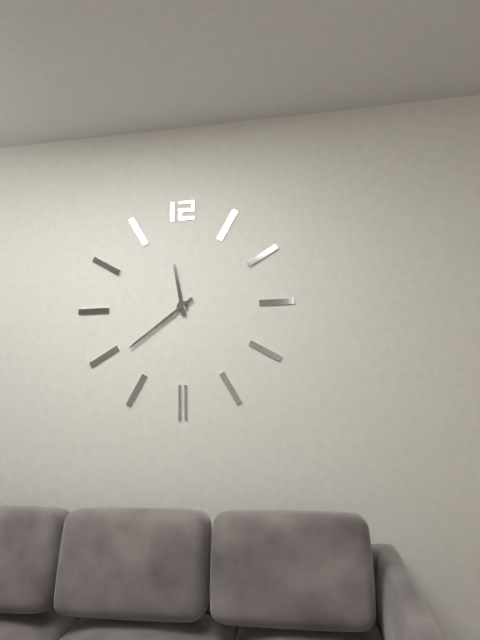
11h39
